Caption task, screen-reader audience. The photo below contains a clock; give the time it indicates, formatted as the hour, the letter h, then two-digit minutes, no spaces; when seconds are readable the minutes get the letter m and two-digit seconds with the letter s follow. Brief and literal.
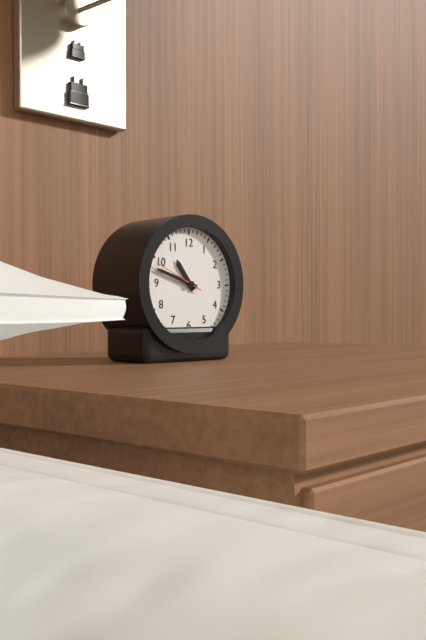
10h48
